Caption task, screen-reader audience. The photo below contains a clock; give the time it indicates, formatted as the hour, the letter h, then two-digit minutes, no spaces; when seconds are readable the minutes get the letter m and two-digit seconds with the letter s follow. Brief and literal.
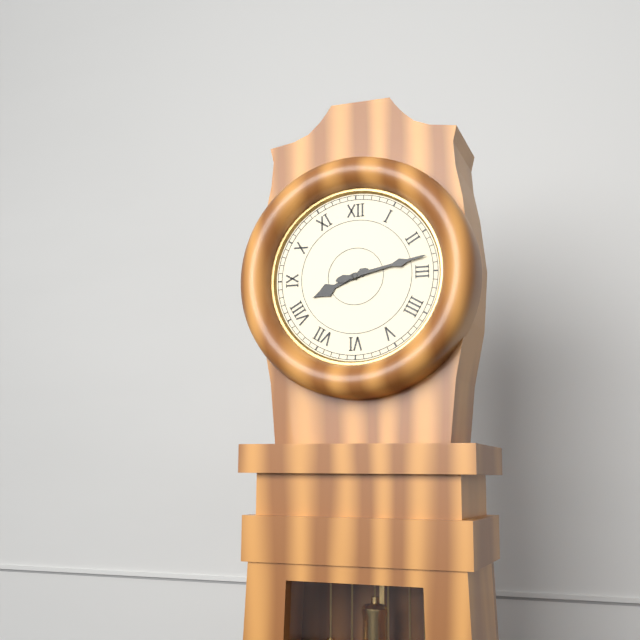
8h13
